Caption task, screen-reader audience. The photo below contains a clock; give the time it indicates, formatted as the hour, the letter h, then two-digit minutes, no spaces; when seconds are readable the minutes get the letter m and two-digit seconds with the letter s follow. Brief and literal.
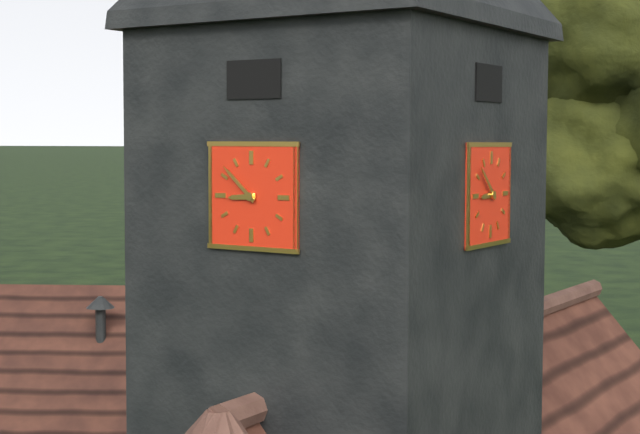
8h52
